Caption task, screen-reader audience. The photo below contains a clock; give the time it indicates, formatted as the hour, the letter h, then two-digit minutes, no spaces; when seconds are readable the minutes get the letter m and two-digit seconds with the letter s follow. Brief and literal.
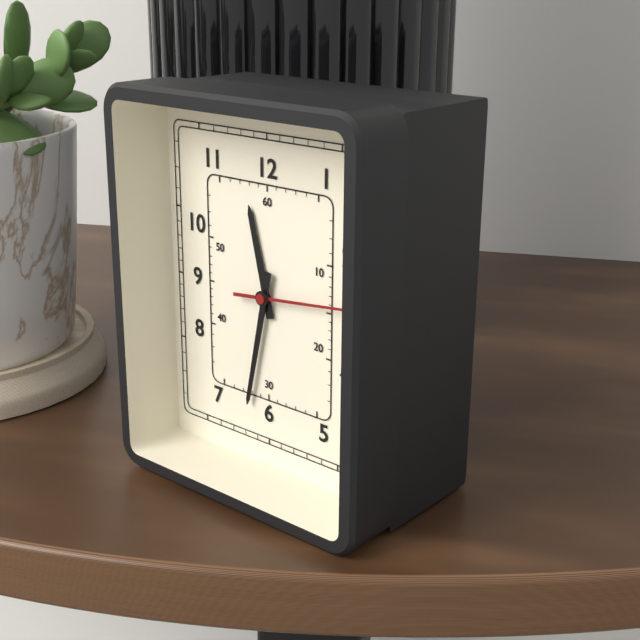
11h32m14s
